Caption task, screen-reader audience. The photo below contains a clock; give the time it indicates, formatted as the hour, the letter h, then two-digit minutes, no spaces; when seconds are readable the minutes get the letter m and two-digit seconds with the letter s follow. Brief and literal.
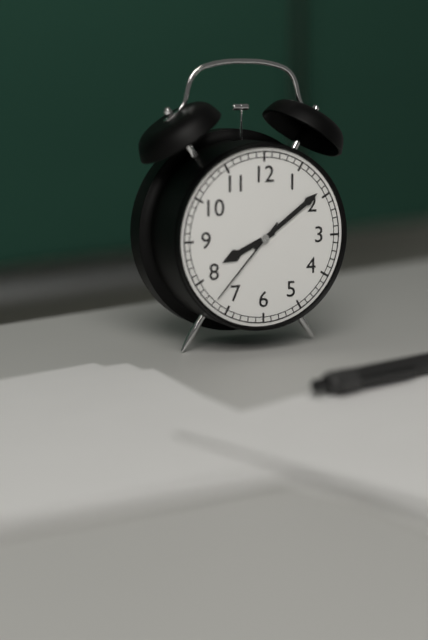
8h09m37s
